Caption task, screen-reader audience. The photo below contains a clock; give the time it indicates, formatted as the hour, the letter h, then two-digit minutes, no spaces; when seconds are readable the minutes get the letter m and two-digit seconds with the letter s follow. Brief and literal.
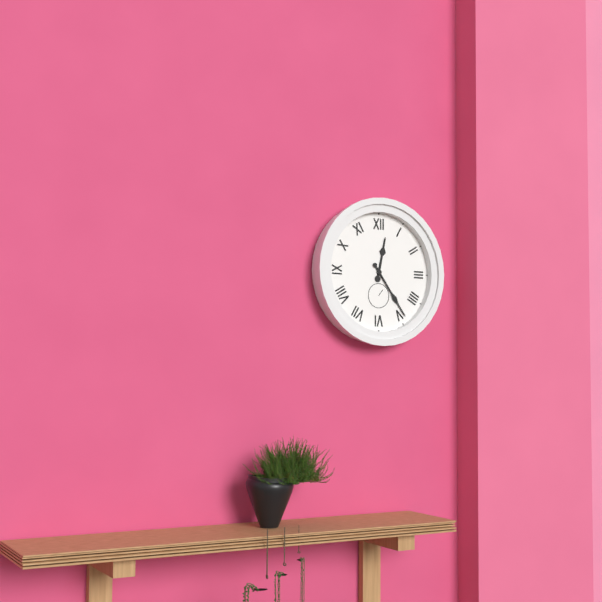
12h24
